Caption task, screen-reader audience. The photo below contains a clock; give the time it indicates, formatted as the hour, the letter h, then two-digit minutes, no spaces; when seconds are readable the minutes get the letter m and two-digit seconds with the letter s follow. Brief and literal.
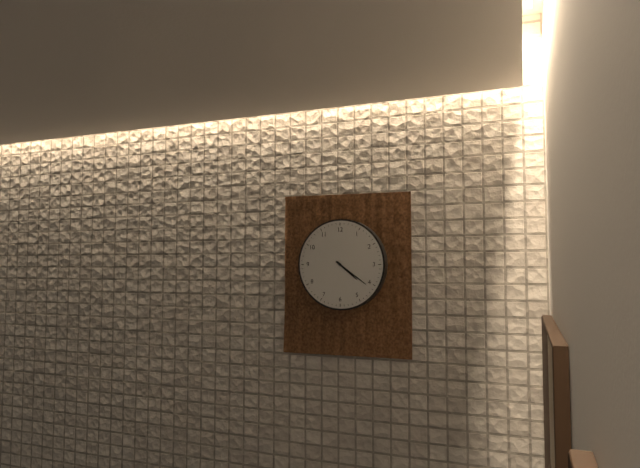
4h21
